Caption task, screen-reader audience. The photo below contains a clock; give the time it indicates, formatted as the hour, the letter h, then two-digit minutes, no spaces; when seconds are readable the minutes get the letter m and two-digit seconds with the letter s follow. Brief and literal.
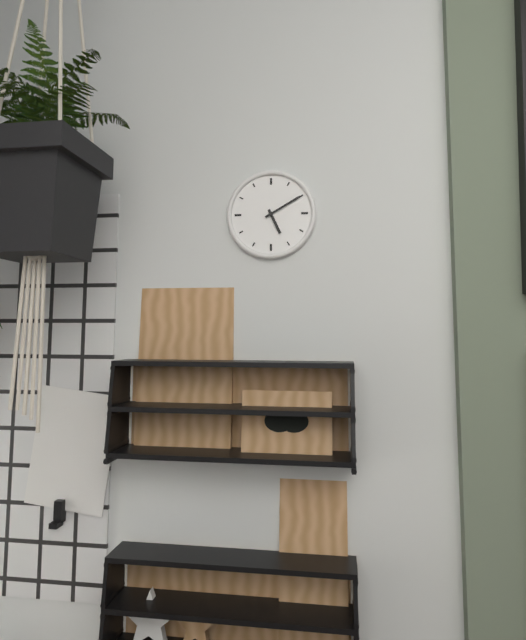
5h10
